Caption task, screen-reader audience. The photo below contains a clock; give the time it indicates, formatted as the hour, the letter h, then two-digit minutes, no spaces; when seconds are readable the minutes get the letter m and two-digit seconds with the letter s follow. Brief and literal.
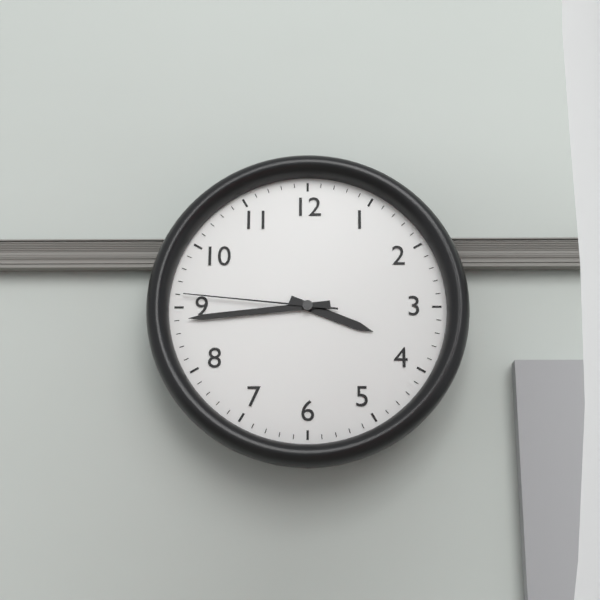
3h44m46s
